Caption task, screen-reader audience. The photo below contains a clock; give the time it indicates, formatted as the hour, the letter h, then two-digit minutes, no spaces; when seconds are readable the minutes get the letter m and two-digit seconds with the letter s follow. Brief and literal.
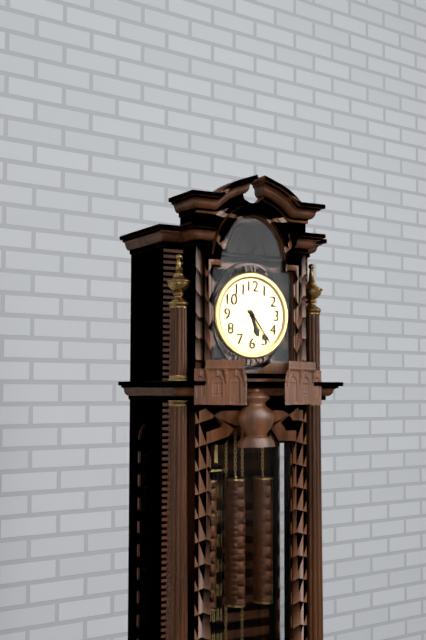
5h24
